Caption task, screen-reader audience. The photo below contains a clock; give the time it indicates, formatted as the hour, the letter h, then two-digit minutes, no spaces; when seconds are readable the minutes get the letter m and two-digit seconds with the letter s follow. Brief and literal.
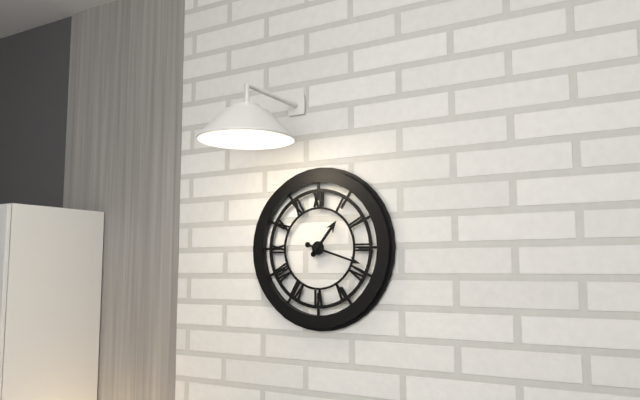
1h18
